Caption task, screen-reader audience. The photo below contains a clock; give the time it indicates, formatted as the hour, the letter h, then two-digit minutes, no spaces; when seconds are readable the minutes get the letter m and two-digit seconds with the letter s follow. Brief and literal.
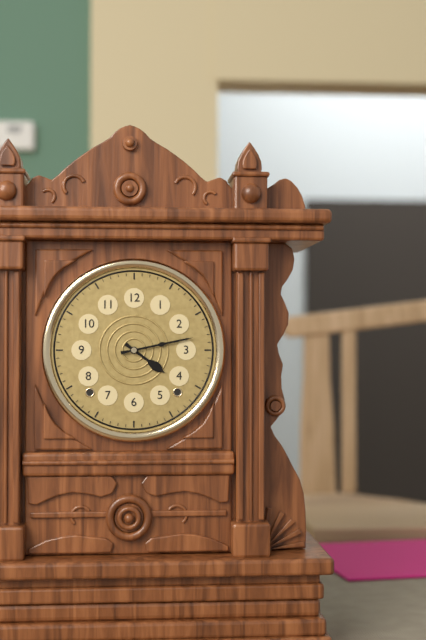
4h13
